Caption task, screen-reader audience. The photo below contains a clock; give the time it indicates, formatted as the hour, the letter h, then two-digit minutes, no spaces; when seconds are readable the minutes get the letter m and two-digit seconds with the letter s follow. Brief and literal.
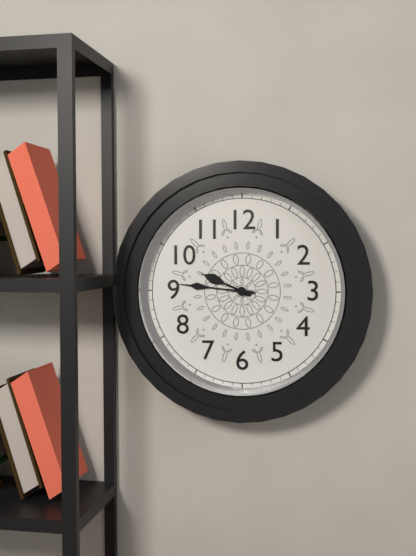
9h46
